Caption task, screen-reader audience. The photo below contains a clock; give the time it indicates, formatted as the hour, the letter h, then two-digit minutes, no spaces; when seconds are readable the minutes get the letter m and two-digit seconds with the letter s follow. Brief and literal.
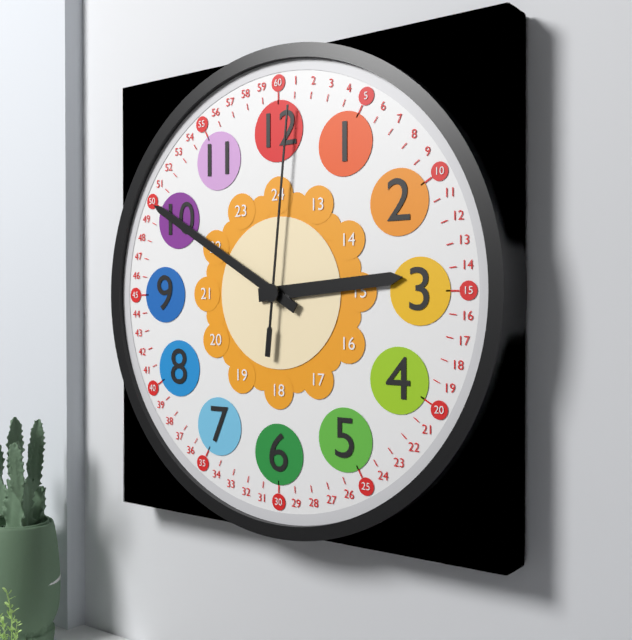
2h50m01s
